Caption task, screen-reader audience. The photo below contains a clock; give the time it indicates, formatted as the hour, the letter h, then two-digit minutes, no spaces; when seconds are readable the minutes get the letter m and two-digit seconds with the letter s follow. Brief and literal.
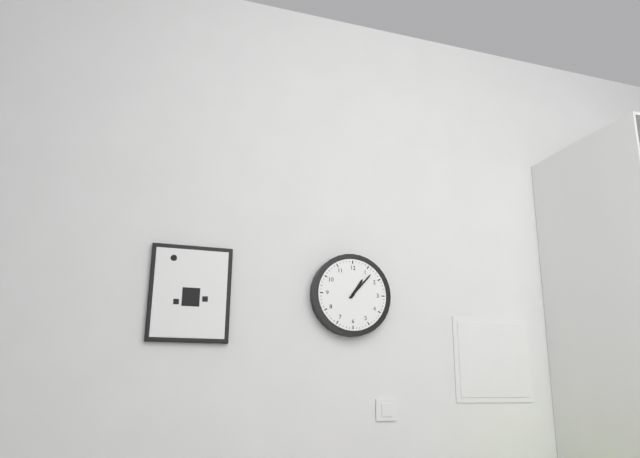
1h07
